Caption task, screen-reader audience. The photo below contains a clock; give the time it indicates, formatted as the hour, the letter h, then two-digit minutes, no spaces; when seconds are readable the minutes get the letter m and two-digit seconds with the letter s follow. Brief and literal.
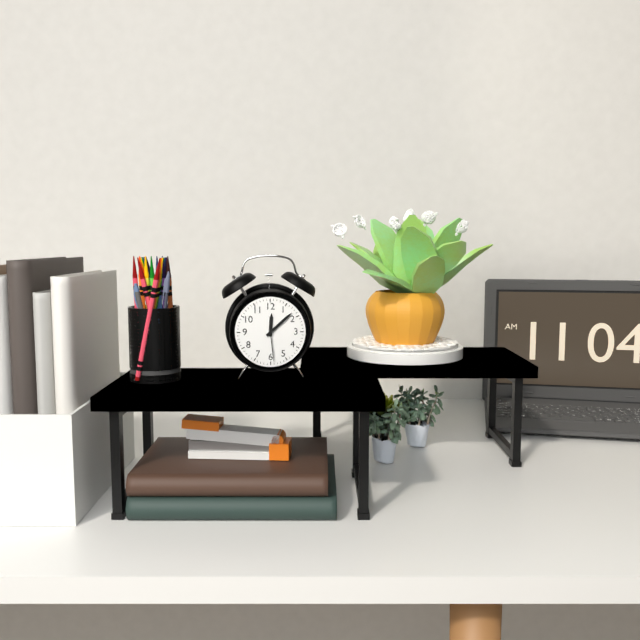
12h08
